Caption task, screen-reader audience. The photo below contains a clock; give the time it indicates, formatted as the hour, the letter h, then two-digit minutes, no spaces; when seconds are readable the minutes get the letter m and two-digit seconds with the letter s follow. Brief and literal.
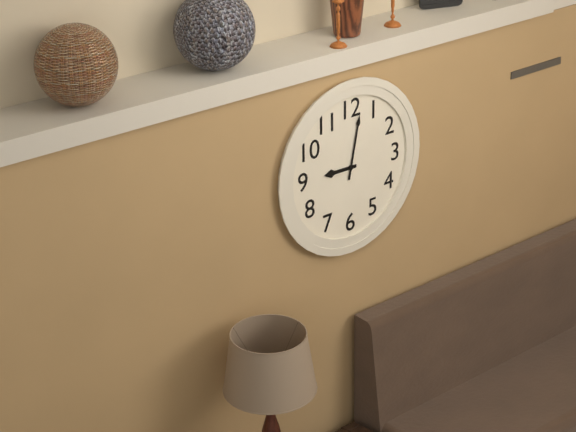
9h02
